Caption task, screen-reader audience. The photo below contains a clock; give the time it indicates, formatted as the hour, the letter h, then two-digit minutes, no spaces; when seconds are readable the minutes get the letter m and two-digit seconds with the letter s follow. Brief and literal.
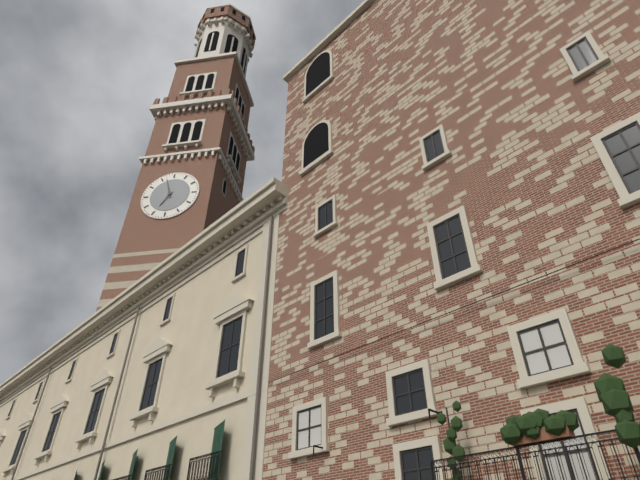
6h57
